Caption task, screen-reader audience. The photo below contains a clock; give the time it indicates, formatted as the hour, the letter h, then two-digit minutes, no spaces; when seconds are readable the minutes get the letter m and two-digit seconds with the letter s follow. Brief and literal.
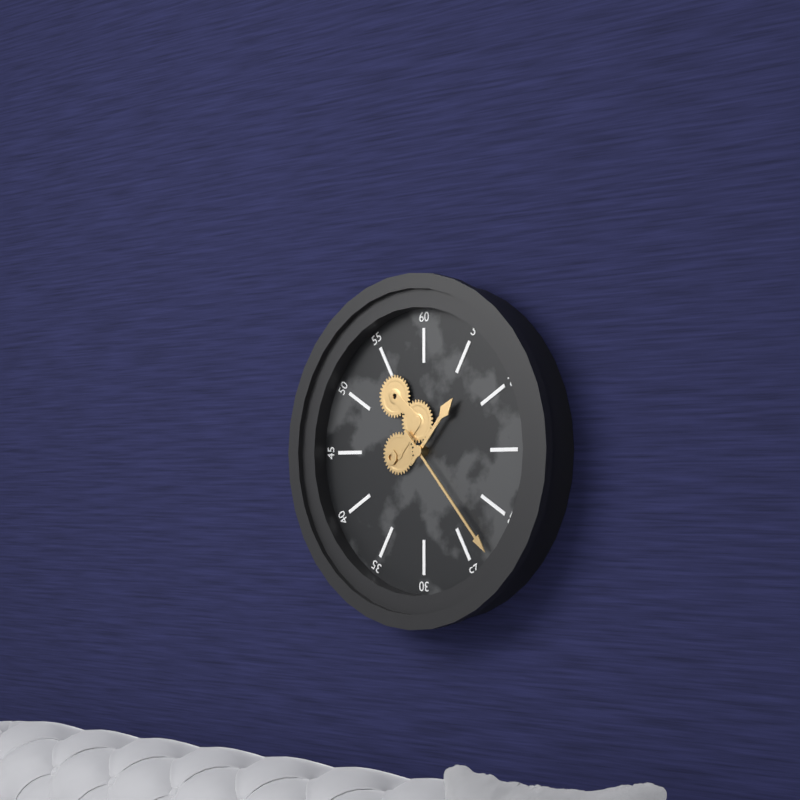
1h23
